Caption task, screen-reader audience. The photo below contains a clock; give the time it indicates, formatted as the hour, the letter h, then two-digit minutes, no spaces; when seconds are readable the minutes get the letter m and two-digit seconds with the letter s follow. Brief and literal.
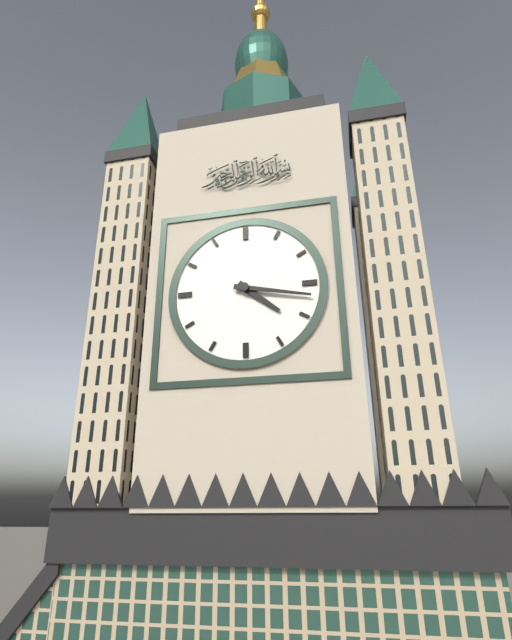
4h17
